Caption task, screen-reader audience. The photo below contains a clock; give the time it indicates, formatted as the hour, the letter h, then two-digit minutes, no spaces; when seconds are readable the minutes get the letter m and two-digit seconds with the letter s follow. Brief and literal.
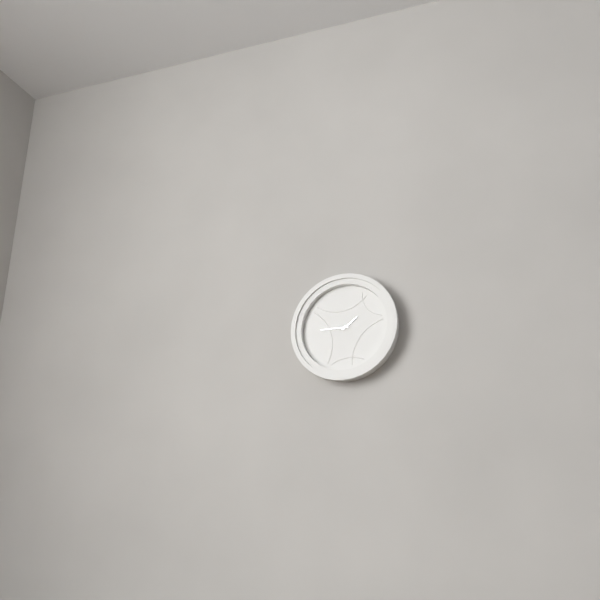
1h45
